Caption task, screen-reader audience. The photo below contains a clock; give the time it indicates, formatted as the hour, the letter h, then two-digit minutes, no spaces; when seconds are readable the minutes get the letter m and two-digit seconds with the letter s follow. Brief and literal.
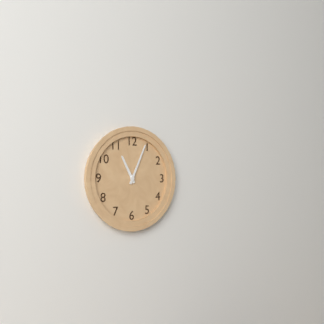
11h04
